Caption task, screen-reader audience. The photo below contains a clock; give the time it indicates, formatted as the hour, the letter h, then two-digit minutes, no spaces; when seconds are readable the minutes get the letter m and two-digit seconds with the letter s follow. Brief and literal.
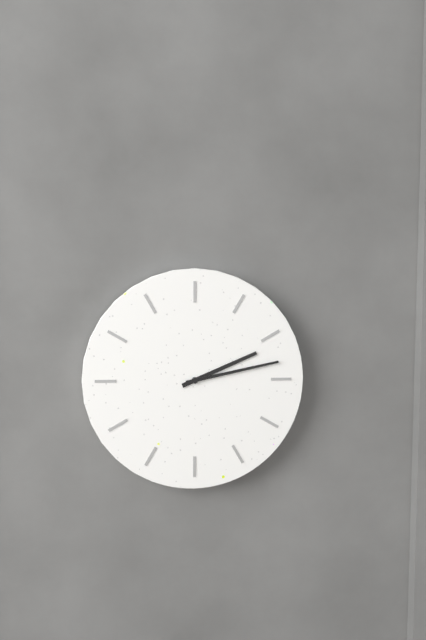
2h13
